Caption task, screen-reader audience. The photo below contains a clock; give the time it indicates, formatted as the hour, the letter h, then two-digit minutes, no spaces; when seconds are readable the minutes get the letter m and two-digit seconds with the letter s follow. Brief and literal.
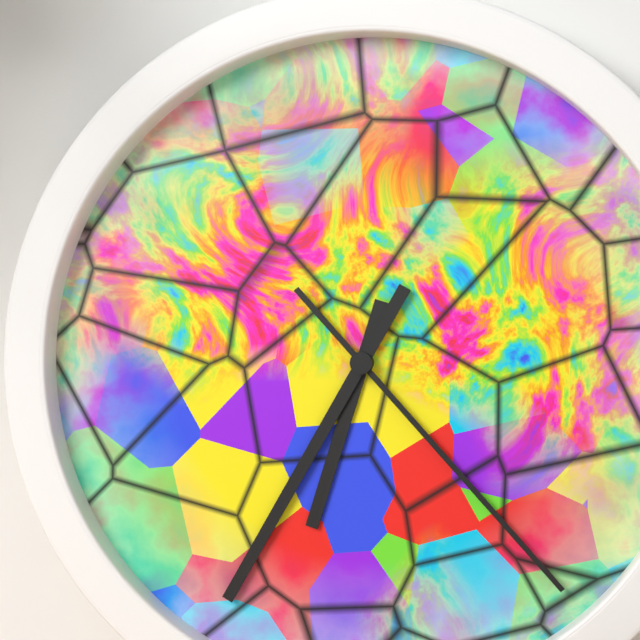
6h35m23s
